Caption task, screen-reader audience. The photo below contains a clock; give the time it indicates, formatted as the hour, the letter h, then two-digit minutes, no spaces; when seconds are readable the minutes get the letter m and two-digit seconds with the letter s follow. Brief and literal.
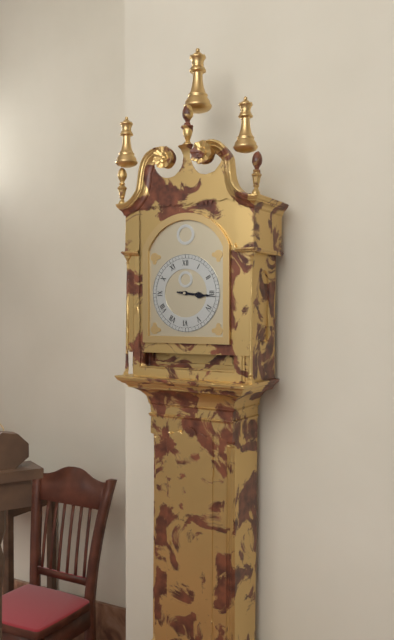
3h16
